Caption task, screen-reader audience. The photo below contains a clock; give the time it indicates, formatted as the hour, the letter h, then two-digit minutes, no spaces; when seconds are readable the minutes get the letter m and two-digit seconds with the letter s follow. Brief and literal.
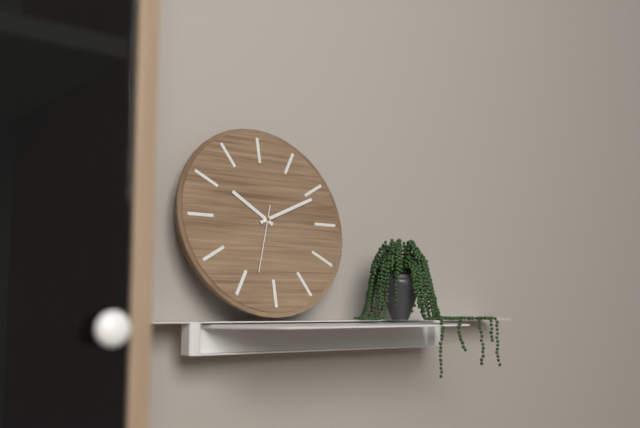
10h11m33s
